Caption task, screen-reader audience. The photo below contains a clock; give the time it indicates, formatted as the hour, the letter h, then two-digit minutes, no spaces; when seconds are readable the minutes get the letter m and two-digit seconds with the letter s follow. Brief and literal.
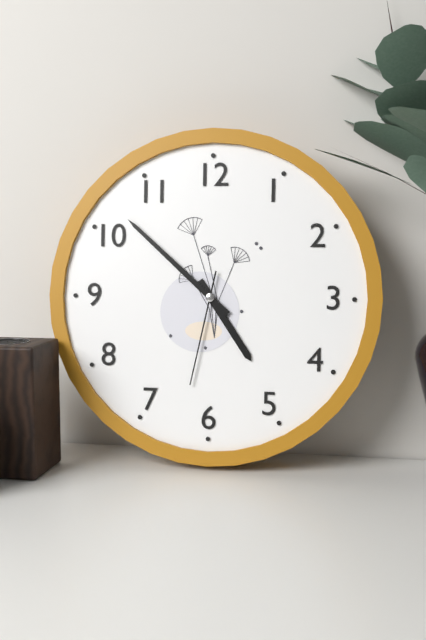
4h52m32s
